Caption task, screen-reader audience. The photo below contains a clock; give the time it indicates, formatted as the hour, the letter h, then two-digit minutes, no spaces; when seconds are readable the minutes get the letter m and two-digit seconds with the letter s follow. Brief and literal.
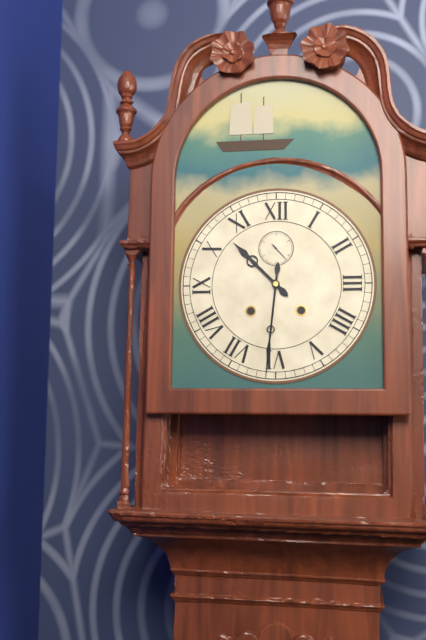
10h31
